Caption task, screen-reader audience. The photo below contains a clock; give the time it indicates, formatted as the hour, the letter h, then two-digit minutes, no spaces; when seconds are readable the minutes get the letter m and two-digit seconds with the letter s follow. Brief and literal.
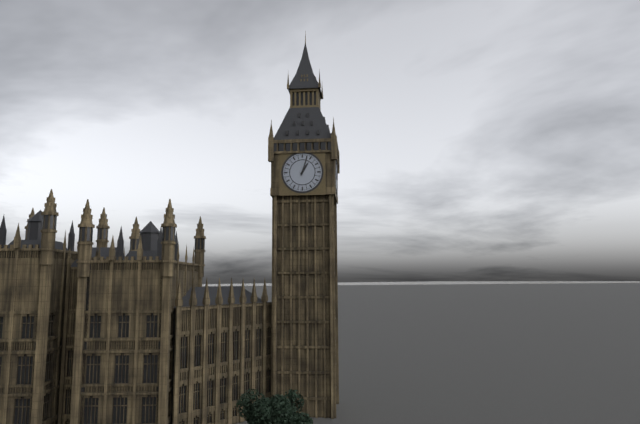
1h03
